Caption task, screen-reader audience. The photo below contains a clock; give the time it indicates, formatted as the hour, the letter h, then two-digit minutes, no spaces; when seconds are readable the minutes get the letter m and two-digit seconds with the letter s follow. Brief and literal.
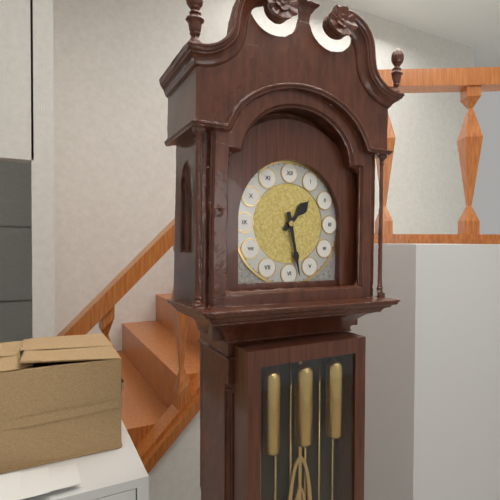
1h28
